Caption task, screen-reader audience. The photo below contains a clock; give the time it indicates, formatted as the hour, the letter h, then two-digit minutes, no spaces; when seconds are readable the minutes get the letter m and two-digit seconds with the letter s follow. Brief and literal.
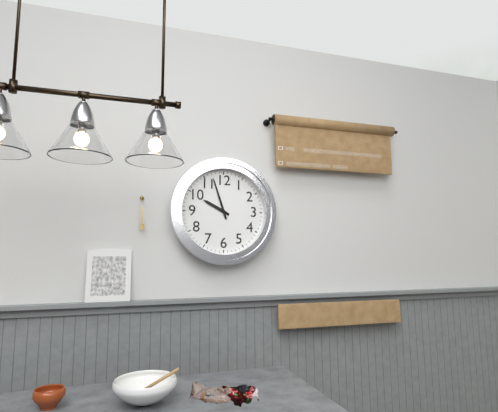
9h57
